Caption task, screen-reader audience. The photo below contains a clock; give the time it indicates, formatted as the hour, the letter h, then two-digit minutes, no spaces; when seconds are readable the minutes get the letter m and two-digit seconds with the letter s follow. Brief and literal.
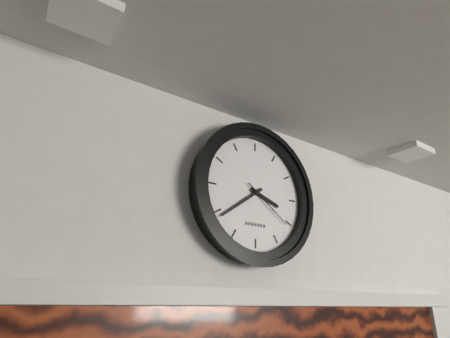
3h39m21s
